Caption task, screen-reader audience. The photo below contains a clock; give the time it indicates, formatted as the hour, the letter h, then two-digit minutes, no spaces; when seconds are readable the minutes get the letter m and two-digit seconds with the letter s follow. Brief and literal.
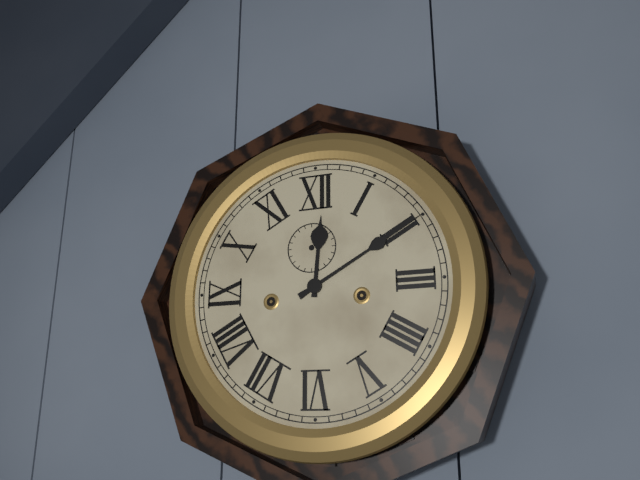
12h10
